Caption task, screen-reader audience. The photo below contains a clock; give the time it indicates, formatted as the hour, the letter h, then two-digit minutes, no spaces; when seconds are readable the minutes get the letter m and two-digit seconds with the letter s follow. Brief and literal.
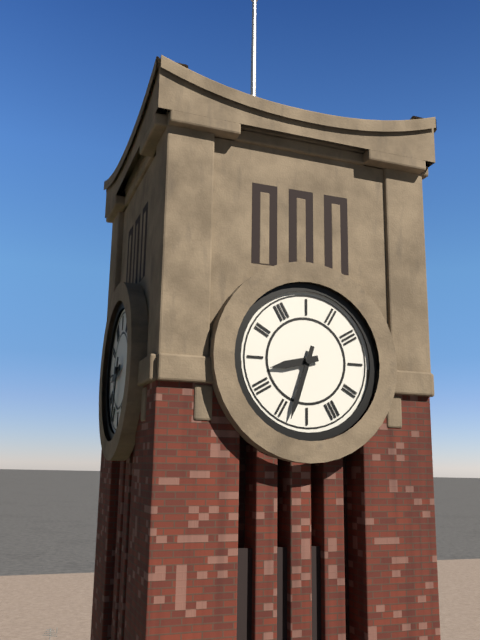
8h33
